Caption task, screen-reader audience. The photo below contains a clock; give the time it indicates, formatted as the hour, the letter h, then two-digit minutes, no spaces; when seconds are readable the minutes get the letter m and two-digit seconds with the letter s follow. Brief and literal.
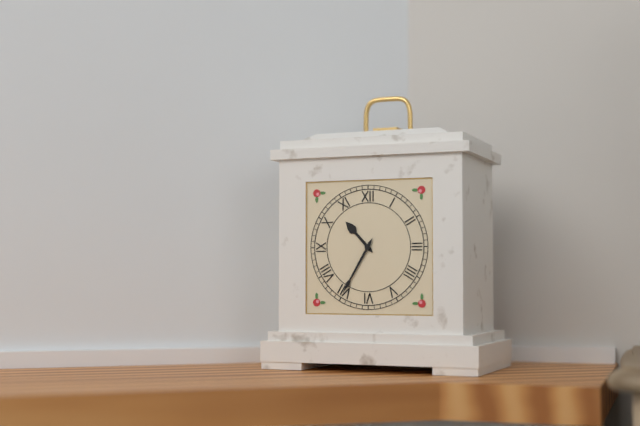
10h35
